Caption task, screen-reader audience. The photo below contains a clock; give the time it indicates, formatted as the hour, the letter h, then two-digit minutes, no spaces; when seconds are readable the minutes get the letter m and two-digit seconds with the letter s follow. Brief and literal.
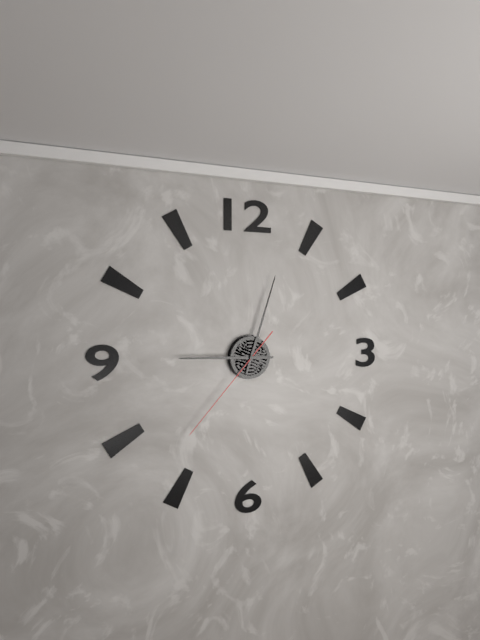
9h03m37s
